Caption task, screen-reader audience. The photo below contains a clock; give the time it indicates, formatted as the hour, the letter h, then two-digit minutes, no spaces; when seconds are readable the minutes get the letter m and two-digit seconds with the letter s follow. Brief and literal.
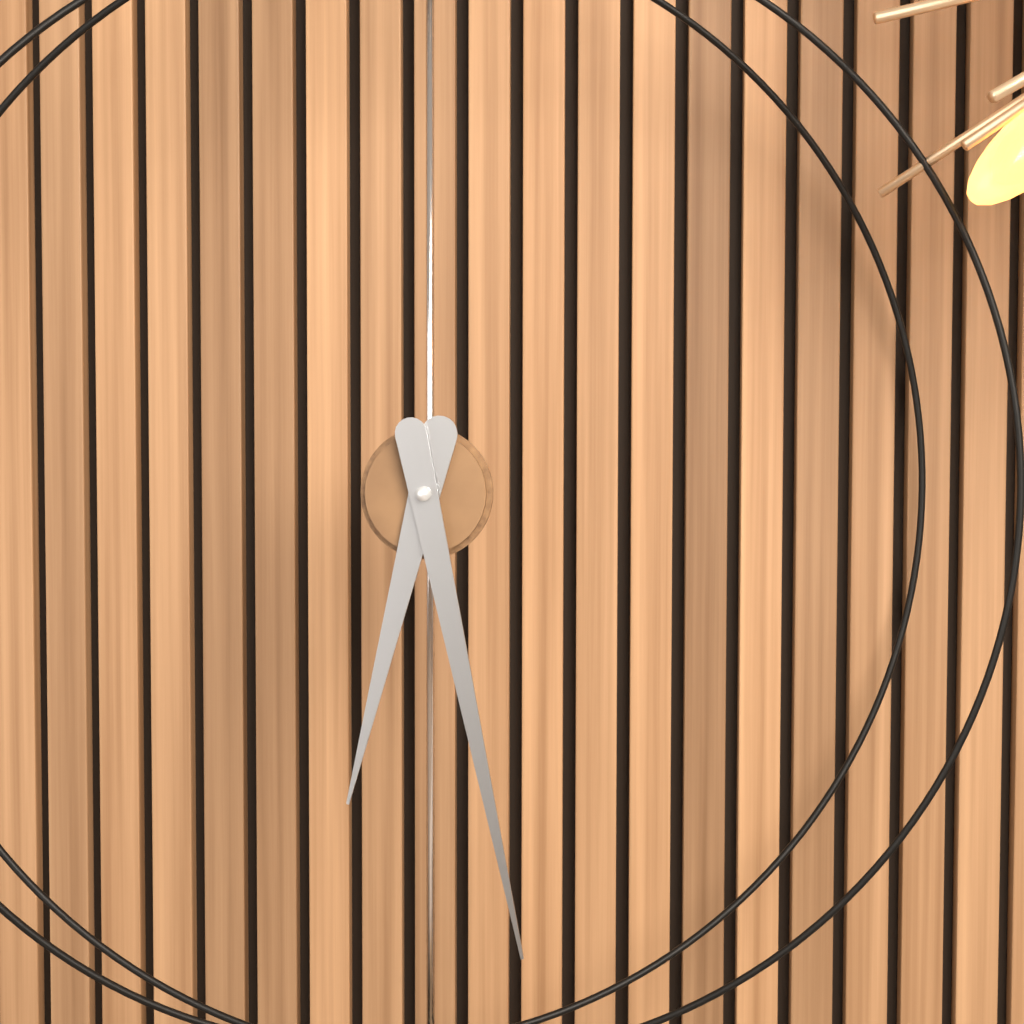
6h28
